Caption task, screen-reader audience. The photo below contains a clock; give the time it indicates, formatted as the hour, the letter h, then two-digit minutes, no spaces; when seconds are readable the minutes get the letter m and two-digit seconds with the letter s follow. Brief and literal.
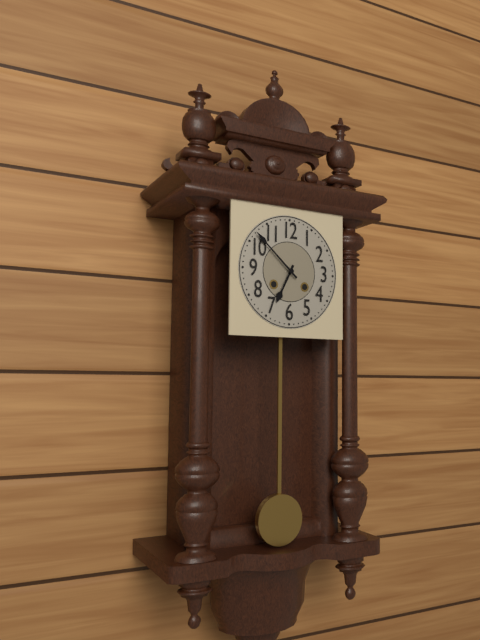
6h52
